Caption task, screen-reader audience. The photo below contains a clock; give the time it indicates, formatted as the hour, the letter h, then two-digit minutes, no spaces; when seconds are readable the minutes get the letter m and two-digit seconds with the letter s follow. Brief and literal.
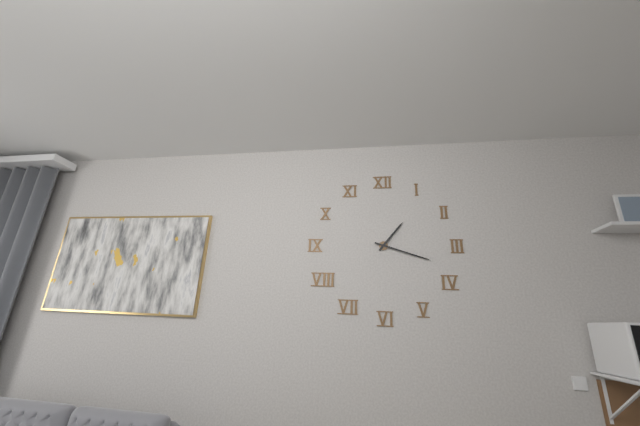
1h18
